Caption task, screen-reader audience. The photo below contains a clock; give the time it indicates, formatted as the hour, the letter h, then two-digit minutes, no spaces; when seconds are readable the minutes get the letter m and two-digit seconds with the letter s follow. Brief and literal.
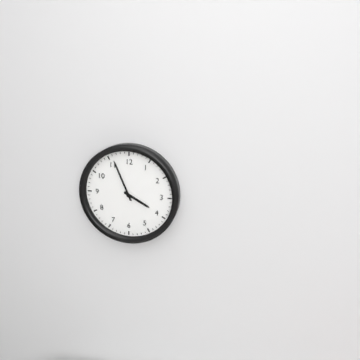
3h56
